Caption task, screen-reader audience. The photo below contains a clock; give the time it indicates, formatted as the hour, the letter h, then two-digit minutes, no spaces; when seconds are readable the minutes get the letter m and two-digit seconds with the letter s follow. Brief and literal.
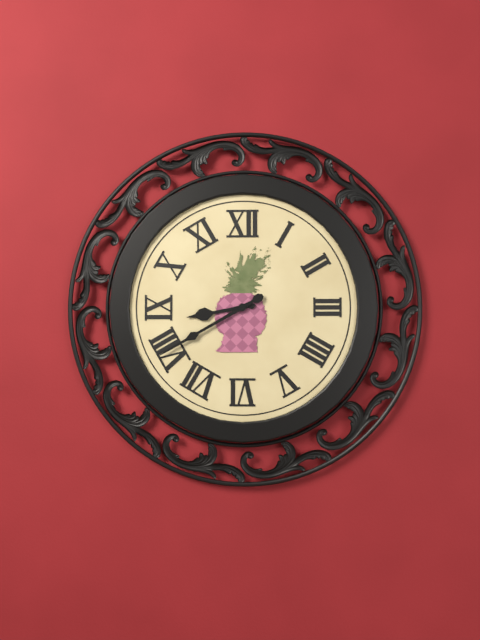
8h40
